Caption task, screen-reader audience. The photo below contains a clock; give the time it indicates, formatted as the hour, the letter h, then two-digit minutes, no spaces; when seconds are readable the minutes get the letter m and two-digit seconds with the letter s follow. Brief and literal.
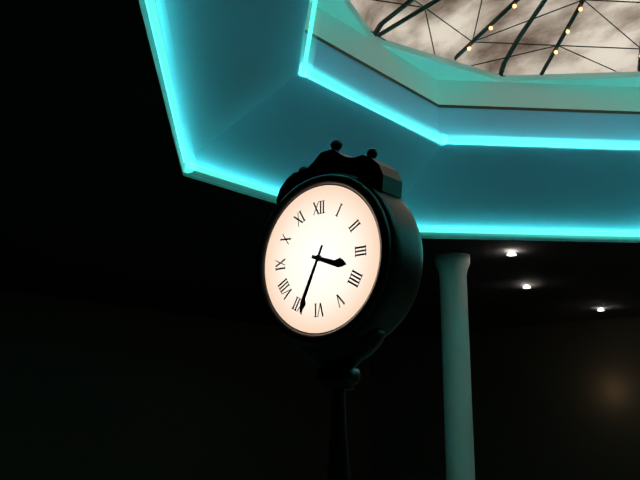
3h34
